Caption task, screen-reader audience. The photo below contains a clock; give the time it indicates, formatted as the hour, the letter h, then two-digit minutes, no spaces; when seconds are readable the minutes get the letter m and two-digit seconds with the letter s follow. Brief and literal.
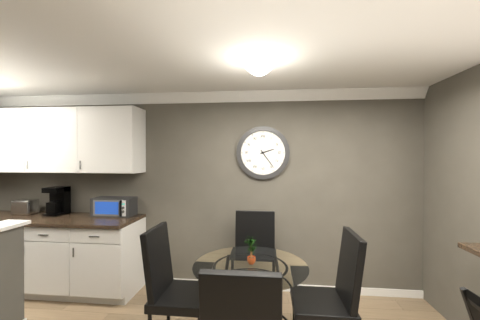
2h24
